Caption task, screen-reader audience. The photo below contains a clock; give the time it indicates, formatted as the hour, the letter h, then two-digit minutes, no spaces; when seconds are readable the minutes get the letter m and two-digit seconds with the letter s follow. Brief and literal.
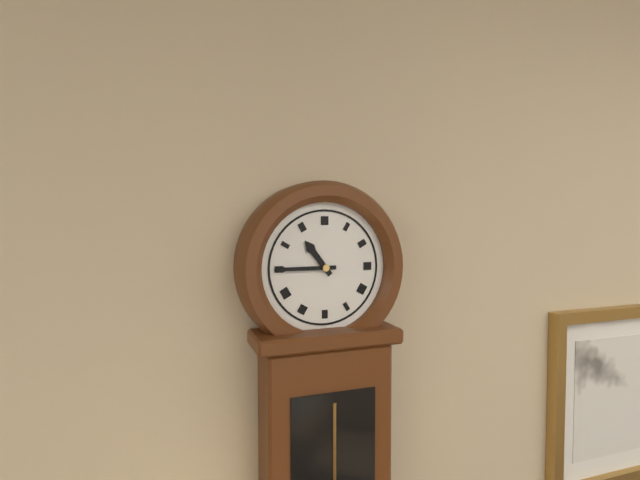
10h45
